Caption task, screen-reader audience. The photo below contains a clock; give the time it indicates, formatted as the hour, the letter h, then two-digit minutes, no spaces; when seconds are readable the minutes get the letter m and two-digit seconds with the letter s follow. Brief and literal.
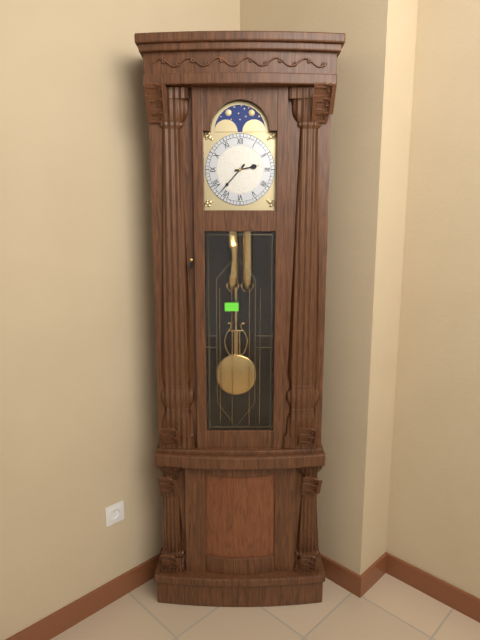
2h37
